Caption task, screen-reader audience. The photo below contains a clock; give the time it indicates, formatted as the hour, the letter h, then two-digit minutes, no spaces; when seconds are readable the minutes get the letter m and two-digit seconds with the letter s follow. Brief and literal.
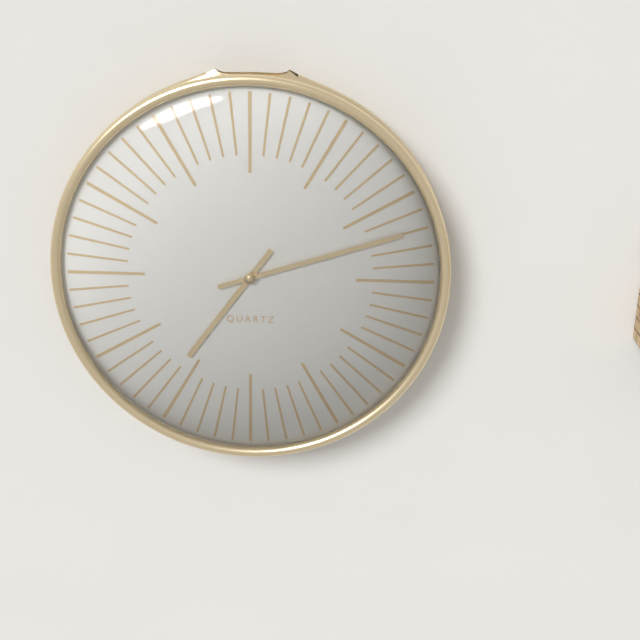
7h12
